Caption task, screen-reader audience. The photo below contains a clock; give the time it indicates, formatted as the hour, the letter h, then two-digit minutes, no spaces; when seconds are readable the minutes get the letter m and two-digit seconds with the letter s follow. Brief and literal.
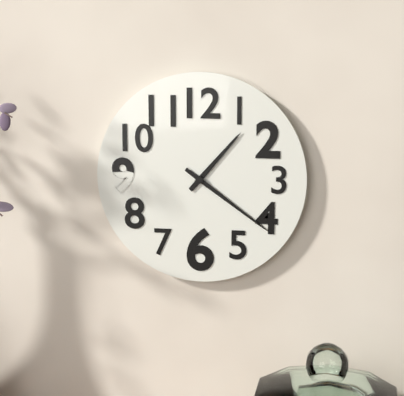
1h21
